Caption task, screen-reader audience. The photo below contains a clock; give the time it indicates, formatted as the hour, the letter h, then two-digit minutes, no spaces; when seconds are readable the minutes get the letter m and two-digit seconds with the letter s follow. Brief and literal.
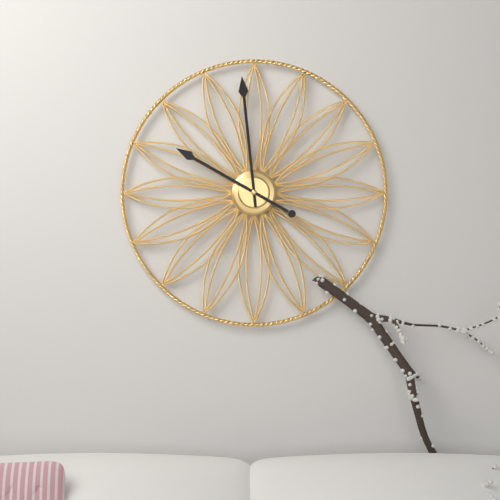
9h59
